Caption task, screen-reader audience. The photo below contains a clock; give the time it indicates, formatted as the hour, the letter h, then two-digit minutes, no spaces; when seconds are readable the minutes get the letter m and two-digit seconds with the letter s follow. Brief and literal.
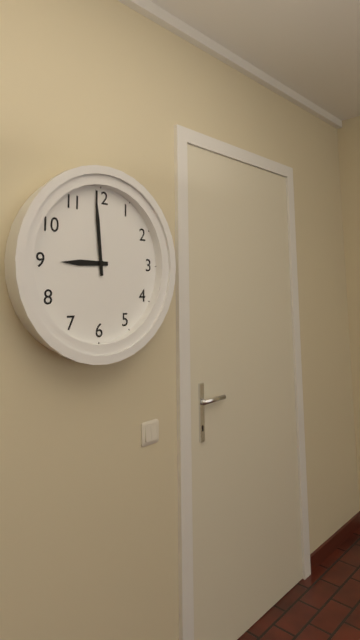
8h59
